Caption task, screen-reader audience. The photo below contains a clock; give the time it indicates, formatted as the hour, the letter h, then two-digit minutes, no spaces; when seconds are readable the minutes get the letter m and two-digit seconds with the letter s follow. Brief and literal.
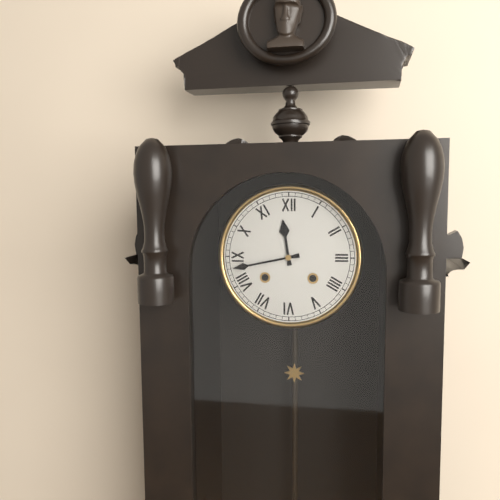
11h43
